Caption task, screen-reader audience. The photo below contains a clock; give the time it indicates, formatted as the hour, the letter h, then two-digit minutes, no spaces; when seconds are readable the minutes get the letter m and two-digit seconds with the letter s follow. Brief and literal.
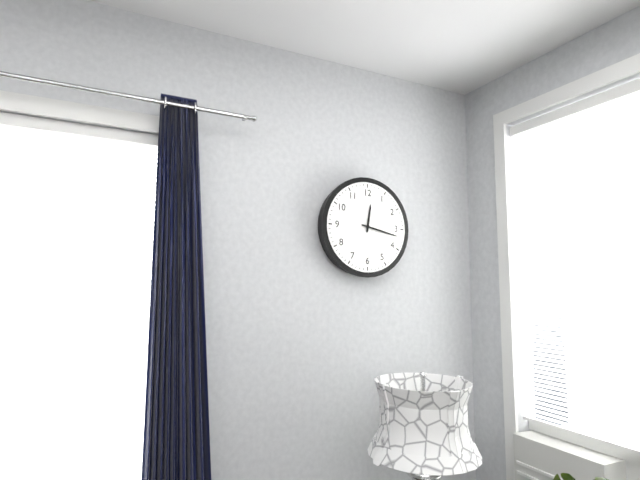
12h17
